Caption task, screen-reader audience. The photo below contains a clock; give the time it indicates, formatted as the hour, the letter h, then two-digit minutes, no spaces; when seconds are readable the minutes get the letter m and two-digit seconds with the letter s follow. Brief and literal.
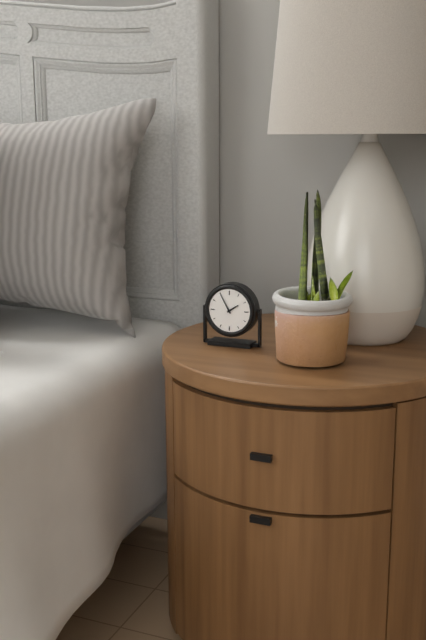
1h55
